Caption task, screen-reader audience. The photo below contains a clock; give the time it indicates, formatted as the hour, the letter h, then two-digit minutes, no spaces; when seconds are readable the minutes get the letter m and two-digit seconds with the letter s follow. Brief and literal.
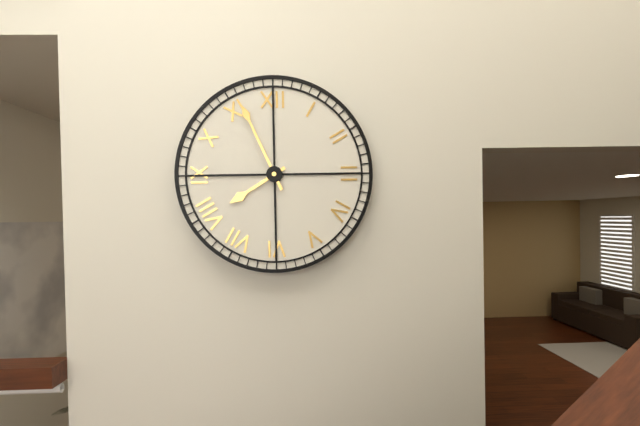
7h56
